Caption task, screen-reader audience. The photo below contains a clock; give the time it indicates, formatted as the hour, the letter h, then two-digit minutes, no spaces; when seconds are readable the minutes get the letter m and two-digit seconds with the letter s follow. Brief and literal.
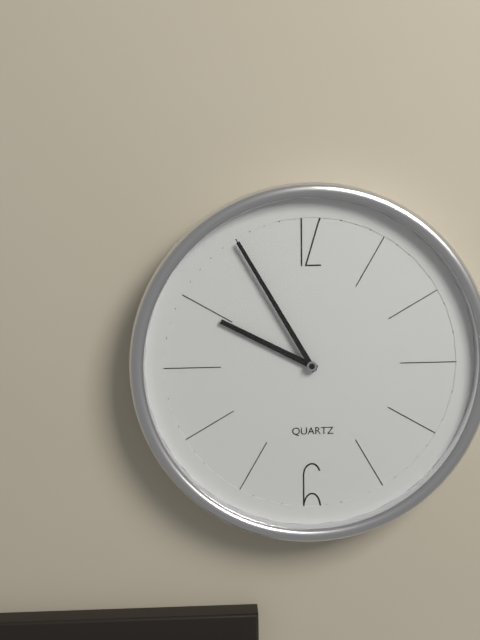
9h55
